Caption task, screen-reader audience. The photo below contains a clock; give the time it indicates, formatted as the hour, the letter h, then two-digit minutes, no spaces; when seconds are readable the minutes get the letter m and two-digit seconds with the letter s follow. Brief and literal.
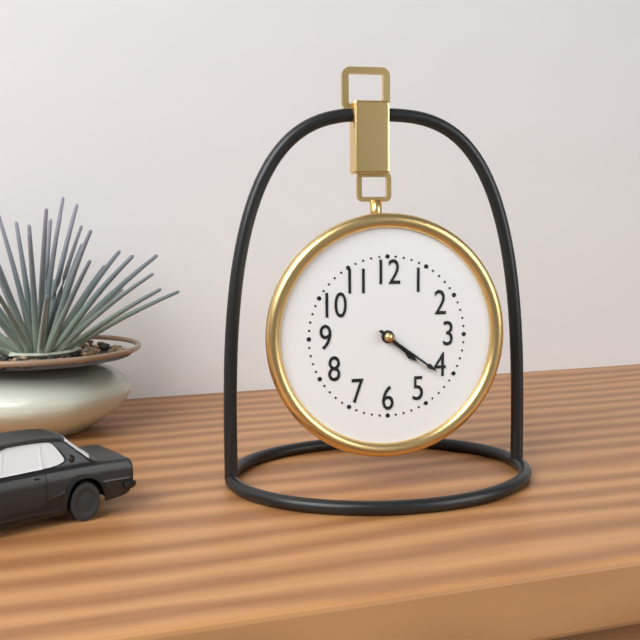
4h21
